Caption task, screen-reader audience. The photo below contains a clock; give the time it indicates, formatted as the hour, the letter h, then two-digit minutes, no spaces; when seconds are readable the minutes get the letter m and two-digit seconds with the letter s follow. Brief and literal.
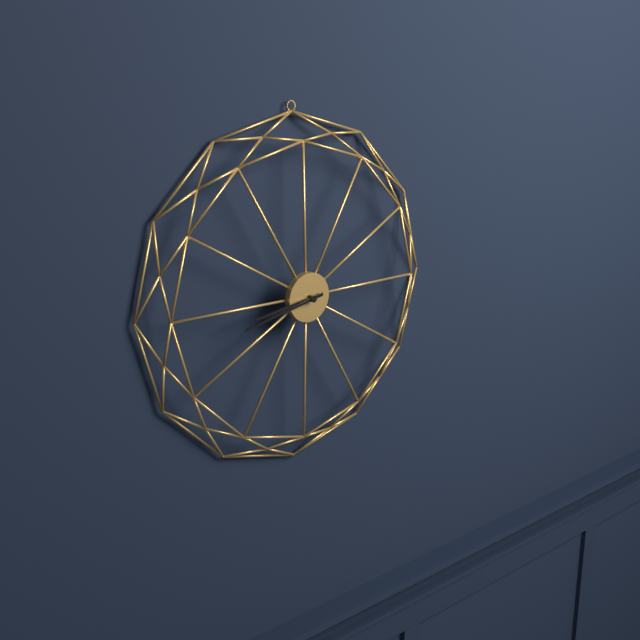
8h43
